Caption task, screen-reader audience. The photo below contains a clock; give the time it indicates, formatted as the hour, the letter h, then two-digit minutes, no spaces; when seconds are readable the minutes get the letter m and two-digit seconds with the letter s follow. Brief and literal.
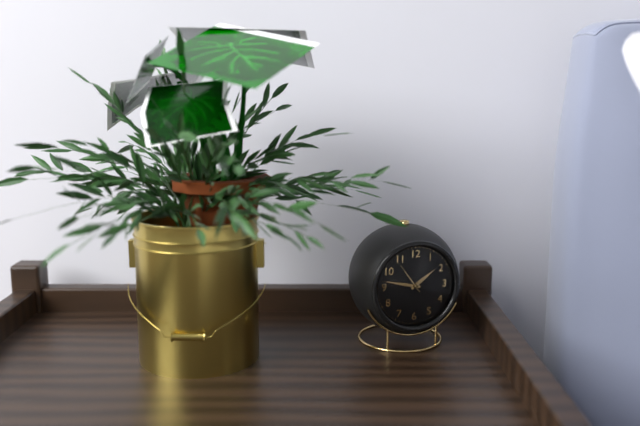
1h47
